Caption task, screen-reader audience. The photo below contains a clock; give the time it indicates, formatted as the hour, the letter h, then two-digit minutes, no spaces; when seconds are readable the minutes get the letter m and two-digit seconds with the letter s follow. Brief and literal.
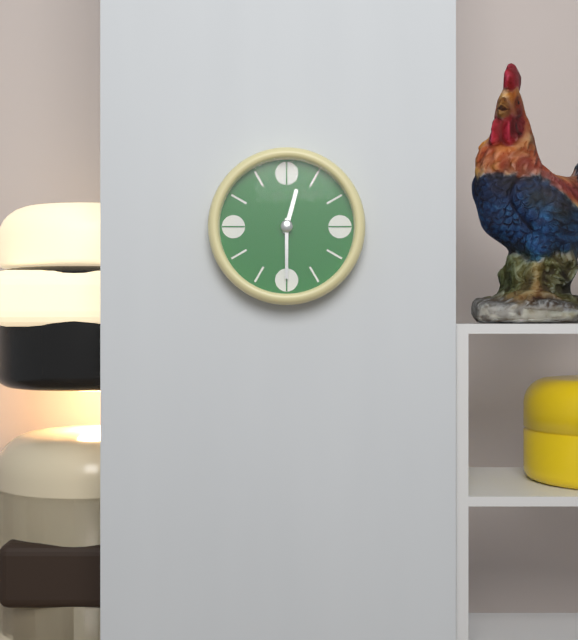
12h30
